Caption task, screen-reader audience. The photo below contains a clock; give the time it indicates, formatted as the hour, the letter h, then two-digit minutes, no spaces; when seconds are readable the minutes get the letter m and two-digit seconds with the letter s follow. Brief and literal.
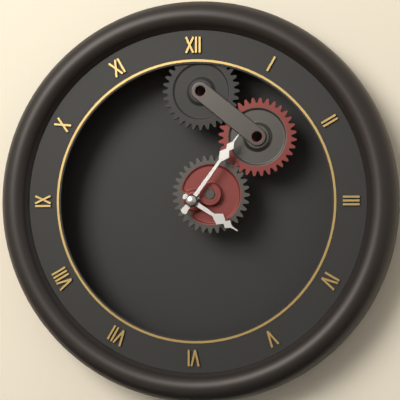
4h06
